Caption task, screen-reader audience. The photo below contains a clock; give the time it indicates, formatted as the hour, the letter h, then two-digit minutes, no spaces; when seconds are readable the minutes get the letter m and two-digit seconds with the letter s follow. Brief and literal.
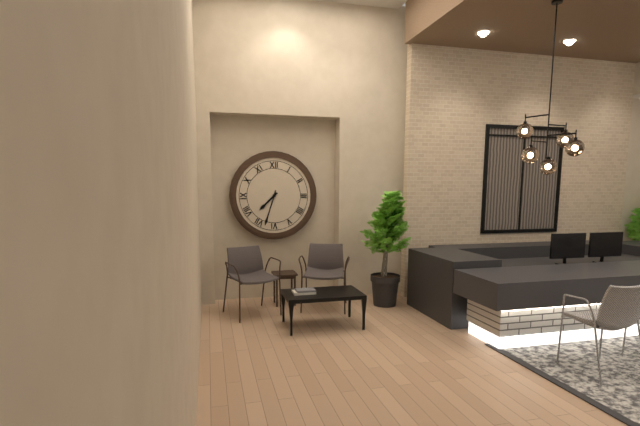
7h33
